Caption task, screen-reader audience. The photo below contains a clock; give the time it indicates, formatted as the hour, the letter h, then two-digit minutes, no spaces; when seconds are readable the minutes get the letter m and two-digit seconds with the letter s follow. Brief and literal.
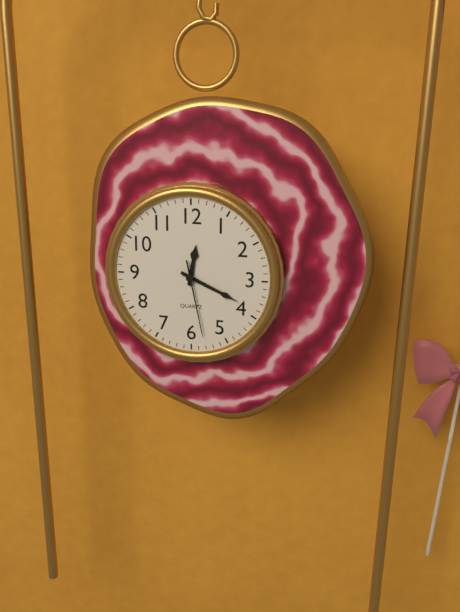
12h19m28s
